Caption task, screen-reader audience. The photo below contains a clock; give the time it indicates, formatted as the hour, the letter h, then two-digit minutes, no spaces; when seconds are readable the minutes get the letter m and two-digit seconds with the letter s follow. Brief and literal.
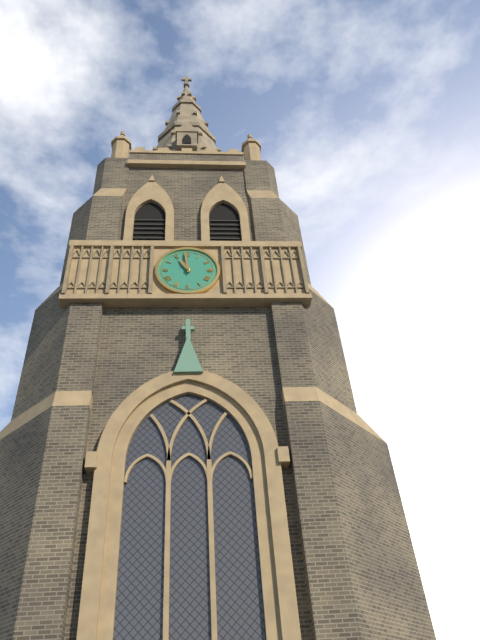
10h59
